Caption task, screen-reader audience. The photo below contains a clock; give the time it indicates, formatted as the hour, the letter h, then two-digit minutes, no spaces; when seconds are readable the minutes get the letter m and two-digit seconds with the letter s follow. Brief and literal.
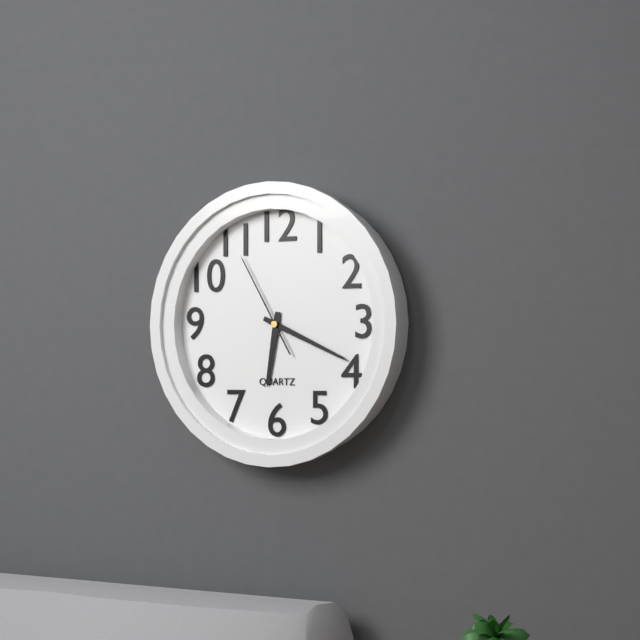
6h19m55s
